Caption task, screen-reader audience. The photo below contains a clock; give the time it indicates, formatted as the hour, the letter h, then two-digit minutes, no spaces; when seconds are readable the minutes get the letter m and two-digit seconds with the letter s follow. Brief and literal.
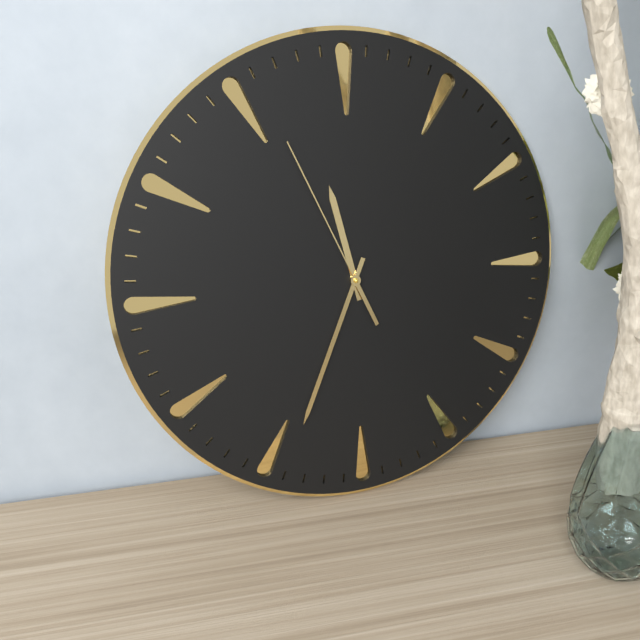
11h34m56s
